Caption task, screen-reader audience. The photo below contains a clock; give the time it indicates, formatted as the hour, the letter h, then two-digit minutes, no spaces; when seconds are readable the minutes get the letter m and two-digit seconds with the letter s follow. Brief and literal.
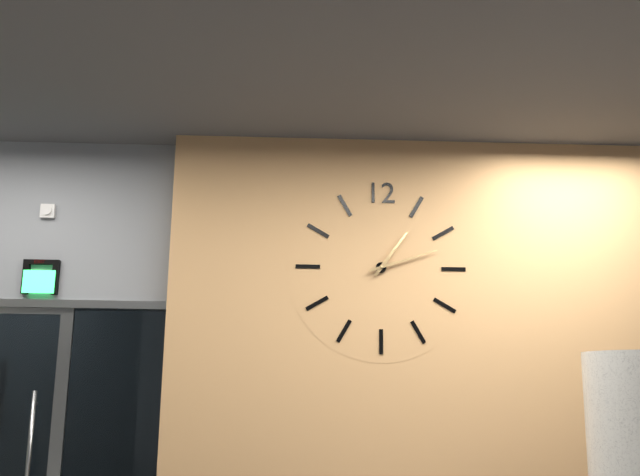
1h12
